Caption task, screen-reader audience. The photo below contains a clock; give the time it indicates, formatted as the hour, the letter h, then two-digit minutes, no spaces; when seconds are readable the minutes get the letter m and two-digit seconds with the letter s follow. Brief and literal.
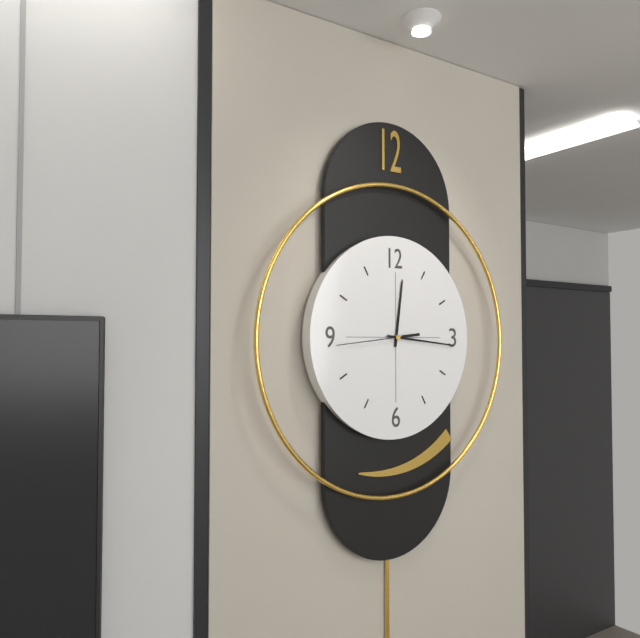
12h16m44s
